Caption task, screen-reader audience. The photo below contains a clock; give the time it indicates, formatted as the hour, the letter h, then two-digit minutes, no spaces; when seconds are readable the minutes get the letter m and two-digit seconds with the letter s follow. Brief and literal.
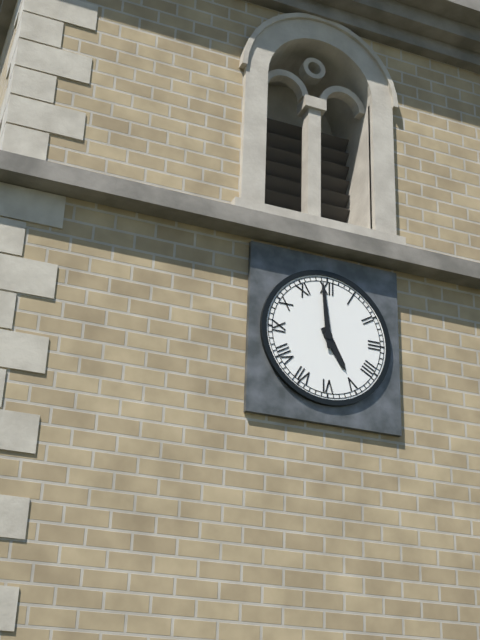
4h59
